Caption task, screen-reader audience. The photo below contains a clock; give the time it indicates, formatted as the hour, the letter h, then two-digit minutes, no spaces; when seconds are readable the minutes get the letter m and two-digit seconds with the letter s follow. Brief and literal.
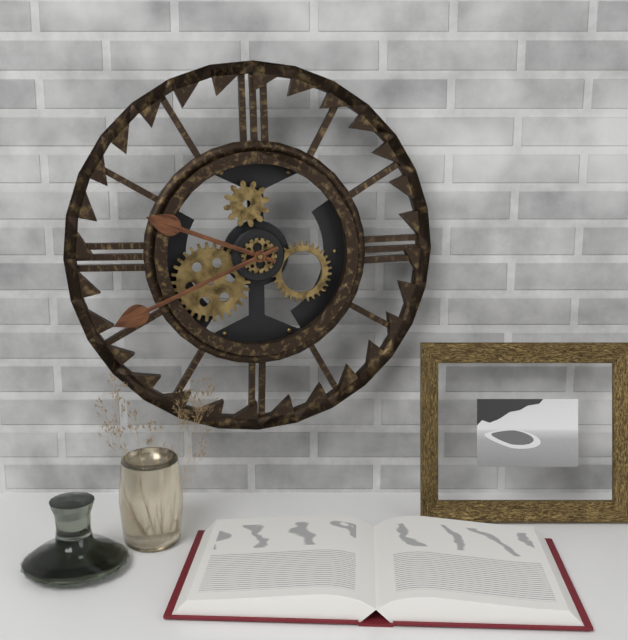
9h41
